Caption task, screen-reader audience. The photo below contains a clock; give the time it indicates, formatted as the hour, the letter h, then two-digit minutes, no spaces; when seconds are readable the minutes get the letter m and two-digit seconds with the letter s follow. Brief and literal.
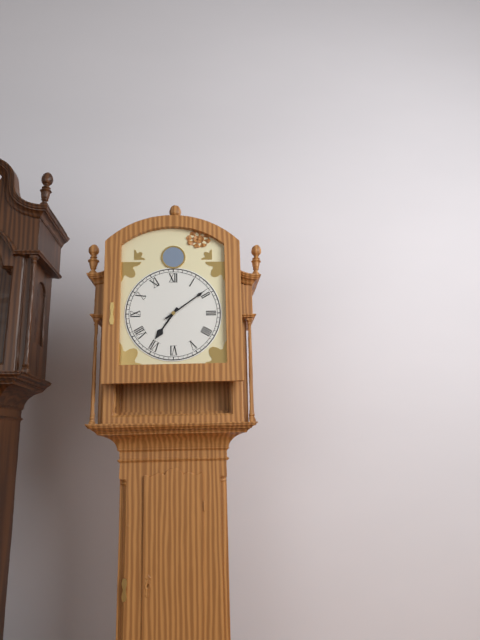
7h09
